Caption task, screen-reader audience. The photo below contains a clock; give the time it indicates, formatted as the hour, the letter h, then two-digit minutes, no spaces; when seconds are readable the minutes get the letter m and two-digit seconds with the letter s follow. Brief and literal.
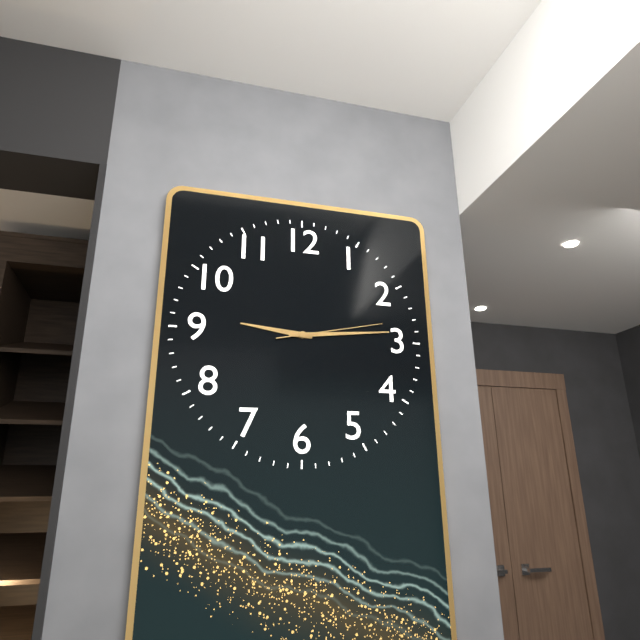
9h14m13s
